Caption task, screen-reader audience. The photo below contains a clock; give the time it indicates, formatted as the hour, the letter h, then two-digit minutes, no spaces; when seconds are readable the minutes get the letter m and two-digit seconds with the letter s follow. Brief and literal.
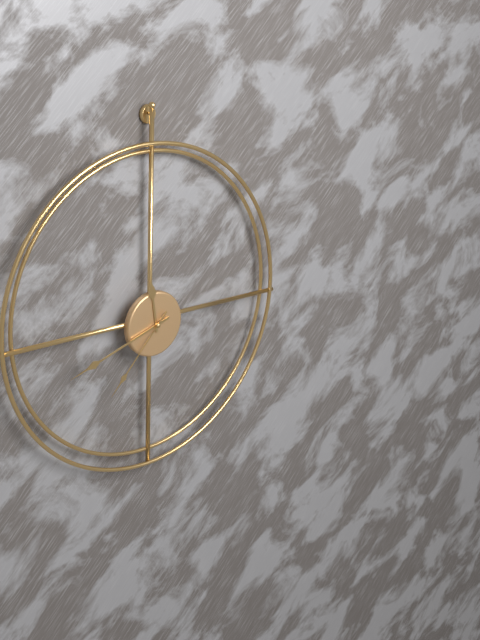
11h42m37s
